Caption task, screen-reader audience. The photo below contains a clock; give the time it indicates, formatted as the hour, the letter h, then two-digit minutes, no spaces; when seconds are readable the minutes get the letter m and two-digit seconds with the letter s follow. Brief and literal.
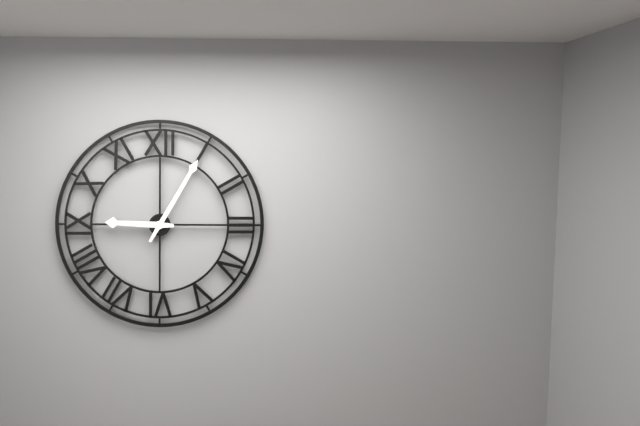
9h05
